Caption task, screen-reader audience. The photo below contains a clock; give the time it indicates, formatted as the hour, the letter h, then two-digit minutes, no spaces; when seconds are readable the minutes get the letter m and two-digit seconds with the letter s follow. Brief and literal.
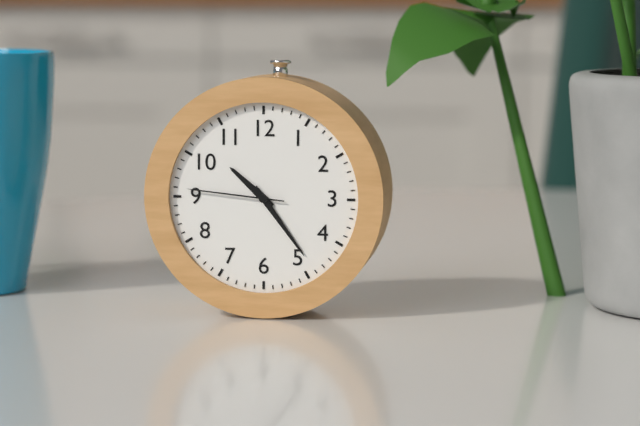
10h24m46s
